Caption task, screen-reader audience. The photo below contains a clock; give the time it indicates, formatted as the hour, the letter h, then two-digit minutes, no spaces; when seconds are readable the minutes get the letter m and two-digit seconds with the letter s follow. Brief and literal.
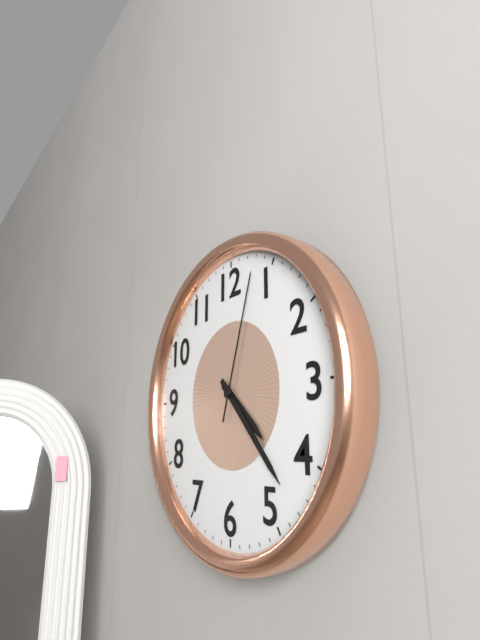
4h23m03s
